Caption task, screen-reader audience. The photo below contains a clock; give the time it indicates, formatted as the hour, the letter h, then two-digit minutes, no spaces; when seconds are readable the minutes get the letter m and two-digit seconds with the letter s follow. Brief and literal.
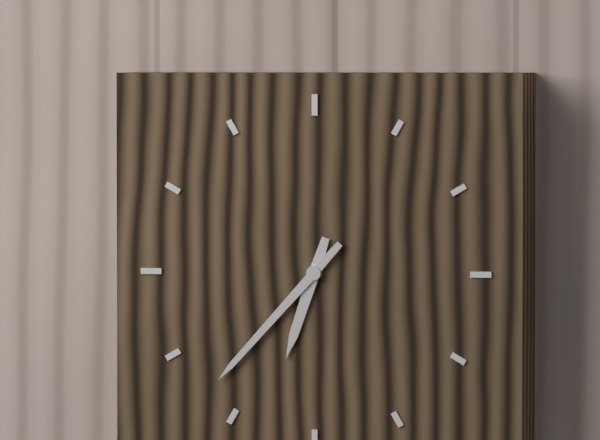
6h37
